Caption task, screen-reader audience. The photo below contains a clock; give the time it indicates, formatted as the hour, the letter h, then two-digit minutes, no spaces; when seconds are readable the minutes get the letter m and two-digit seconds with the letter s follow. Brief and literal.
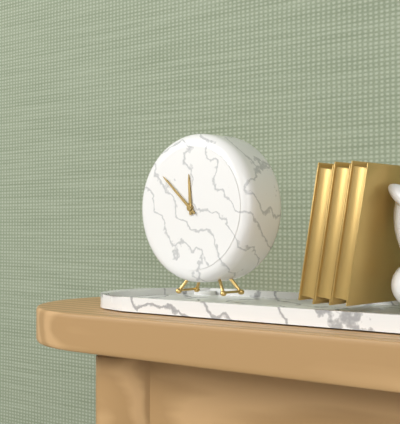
11h52
